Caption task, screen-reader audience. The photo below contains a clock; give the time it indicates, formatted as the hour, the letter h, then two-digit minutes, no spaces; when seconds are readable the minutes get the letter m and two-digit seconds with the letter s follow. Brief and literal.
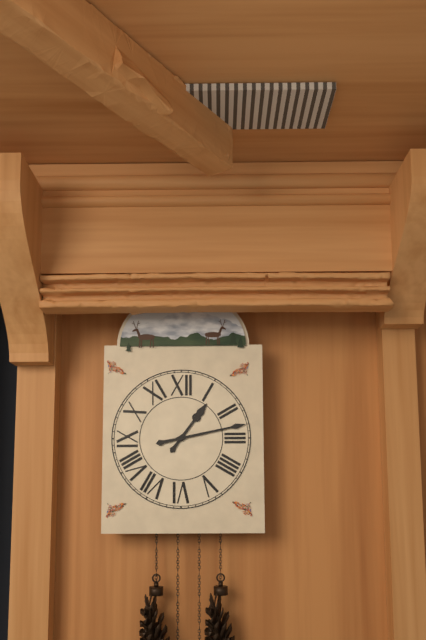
1h13
